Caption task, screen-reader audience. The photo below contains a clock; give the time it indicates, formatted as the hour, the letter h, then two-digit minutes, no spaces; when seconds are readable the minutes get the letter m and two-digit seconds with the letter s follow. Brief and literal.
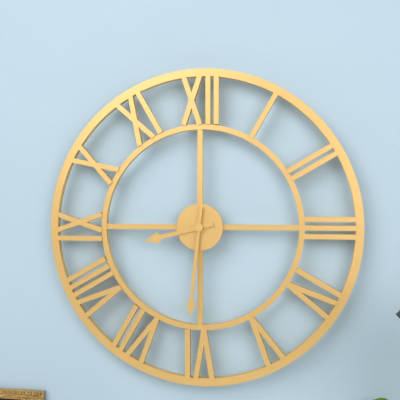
8h31
